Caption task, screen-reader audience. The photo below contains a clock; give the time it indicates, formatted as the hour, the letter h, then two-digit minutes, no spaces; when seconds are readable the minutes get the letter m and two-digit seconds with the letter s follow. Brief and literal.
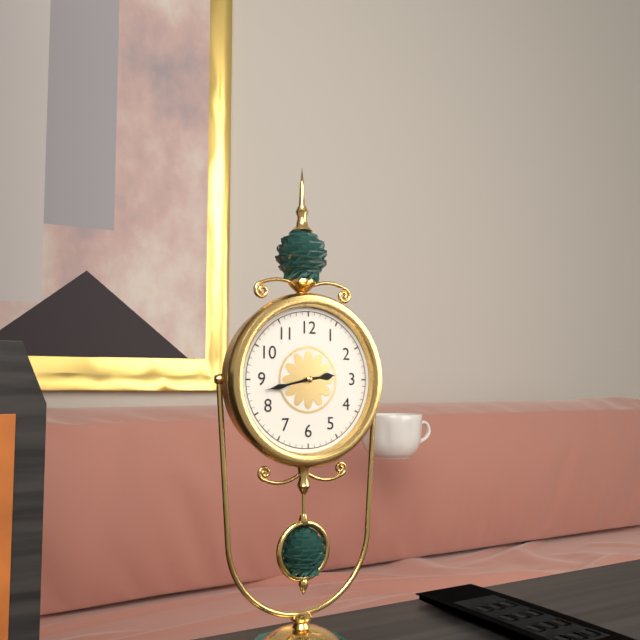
2h43
